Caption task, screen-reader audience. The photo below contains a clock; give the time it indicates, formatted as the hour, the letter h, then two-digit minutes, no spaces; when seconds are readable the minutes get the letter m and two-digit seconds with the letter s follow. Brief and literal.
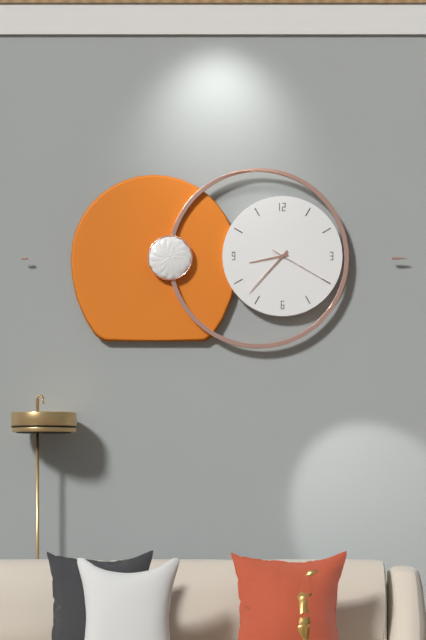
8h37m20s
